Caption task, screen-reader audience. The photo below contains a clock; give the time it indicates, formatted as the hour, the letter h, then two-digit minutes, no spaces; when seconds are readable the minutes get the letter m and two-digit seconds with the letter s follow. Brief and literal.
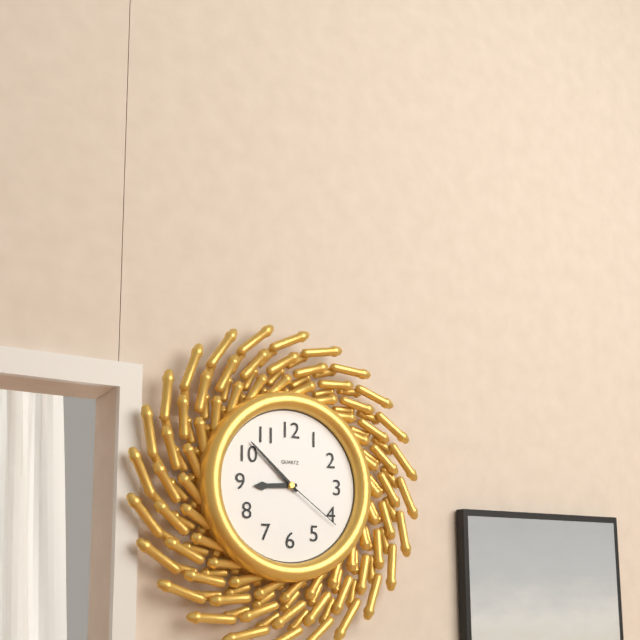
8h52m21s
